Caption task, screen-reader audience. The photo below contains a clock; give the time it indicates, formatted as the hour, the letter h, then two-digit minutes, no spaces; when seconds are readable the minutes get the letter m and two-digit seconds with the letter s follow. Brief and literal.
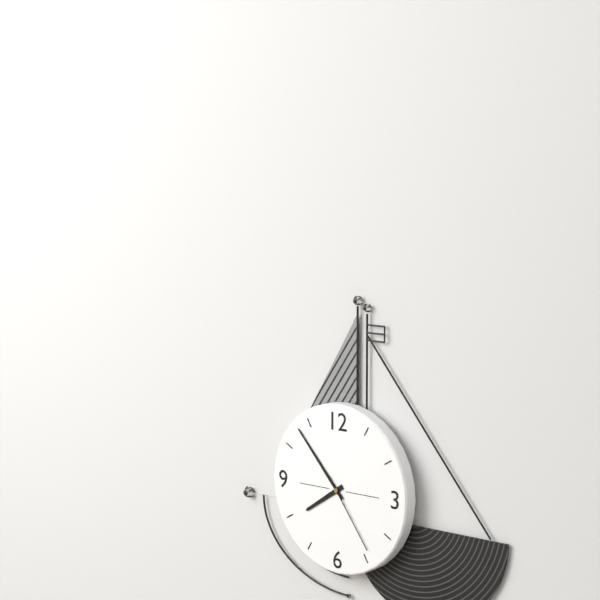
7h53m24s
